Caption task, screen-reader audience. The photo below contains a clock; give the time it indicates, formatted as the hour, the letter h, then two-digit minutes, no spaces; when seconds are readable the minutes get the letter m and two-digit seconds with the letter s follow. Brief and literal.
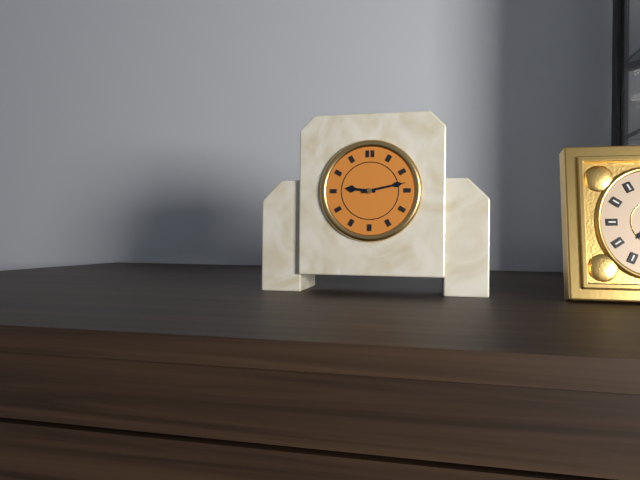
9h13
